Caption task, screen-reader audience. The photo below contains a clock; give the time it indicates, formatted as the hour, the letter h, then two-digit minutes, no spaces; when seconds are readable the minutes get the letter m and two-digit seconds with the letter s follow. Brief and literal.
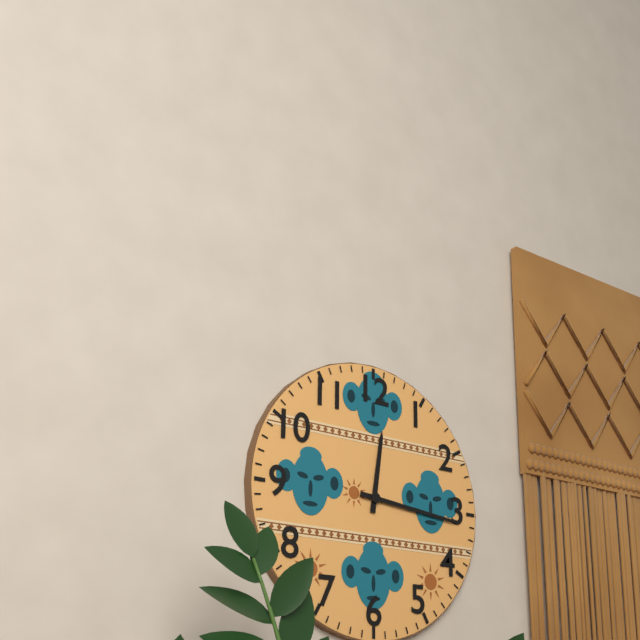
12h16
